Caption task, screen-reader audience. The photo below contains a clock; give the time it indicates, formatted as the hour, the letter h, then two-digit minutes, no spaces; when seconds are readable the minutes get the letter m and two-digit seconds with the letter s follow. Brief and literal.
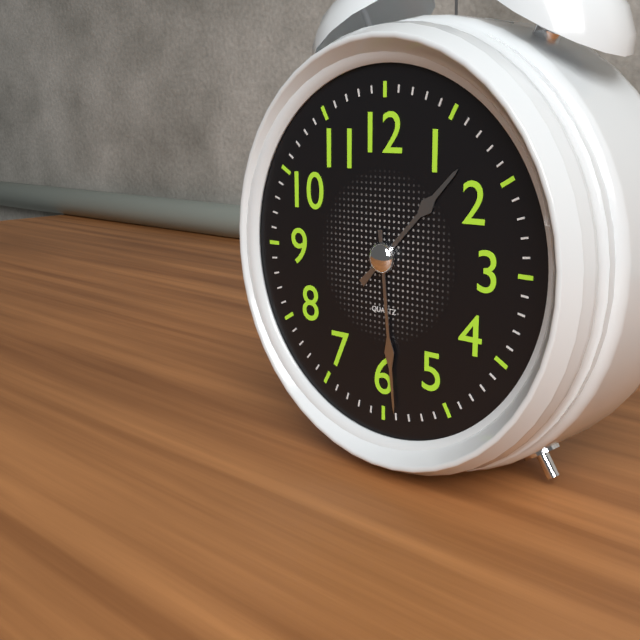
1h29
